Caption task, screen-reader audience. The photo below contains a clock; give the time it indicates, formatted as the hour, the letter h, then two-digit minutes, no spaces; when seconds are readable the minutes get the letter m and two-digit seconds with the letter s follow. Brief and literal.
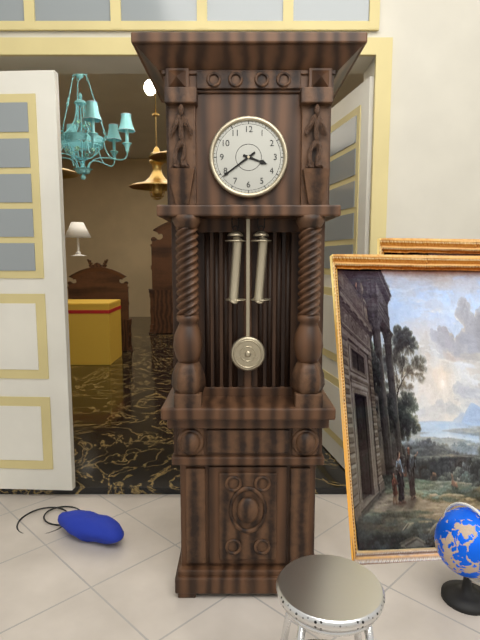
3h39
